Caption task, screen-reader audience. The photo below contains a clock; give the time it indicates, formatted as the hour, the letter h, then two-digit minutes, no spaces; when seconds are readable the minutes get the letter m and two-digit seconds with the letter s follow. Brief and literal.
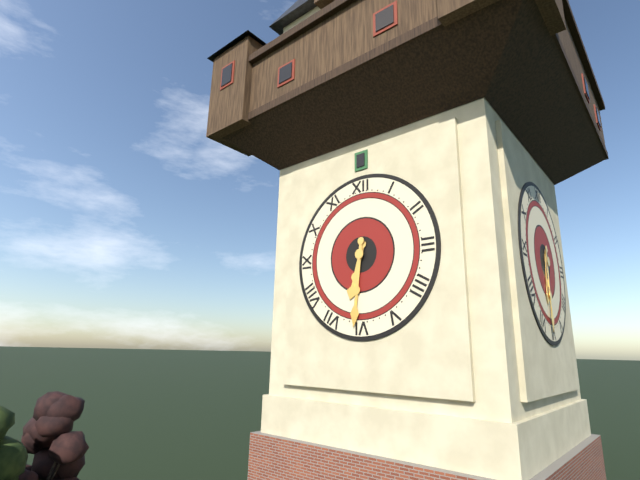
6h31
